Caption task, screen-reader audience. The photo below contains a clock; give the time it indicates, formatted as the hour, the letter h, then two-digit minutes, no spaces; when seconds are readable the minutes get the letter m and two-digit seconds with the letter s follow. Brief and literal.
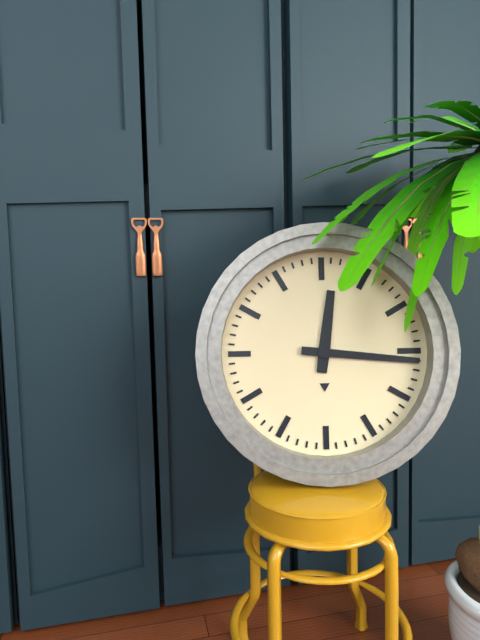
12h16
